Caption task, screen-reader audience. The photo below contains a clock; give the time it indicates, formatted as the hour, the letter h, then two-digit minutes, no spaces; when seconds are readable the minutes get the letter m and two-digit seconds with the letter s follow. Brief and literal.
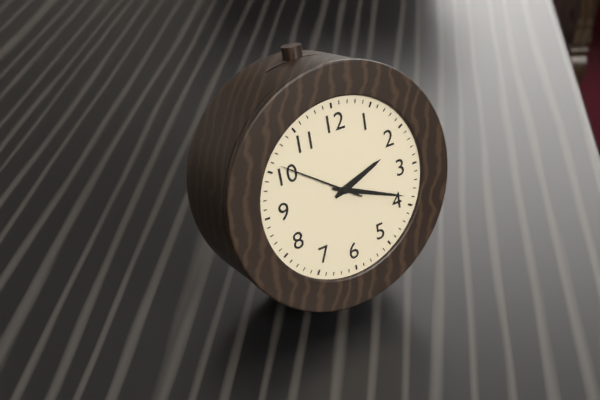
2h19m51s
